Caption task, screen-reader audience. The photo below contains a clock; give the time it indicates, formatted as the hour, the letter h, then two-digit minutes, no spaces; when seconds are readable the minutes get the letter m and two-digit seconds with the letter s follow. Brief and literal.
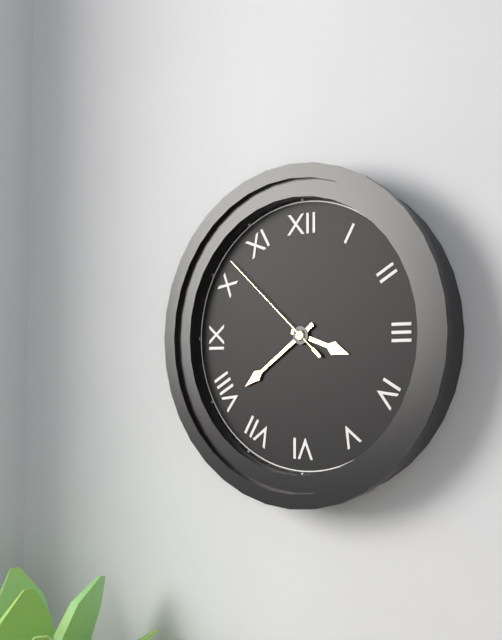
3h39m52s
